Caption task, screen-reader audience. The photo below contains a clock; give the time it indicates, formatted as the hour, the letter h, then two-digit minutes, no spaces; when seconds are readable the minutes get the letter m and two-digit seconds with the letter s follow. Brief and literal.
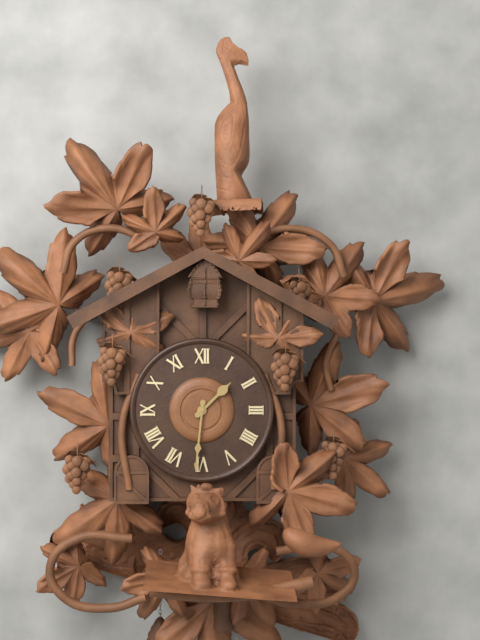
1h31
